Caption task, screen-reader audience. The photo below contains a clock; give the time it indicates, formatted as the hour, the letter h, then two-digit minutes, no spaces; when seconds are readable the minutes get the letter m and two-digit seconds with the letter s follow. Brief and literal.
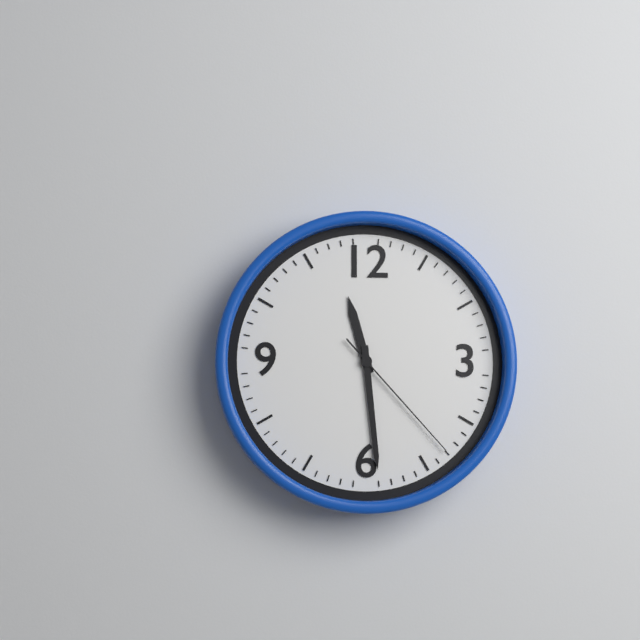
11h29m23s
